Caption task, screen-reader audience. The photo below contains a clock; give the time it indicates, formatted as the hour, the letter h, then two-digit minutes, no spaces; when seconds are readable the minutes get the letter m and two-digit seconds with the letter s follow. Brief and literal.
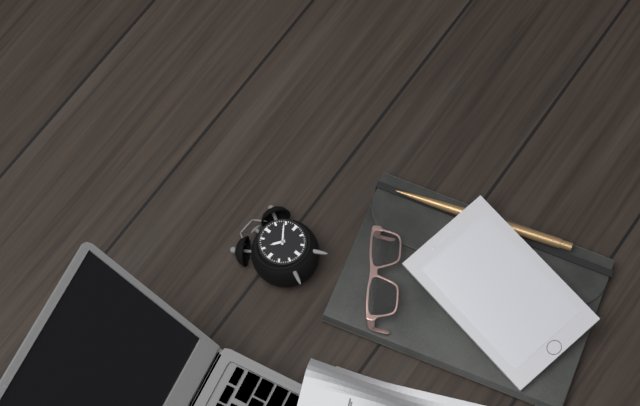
10h09
